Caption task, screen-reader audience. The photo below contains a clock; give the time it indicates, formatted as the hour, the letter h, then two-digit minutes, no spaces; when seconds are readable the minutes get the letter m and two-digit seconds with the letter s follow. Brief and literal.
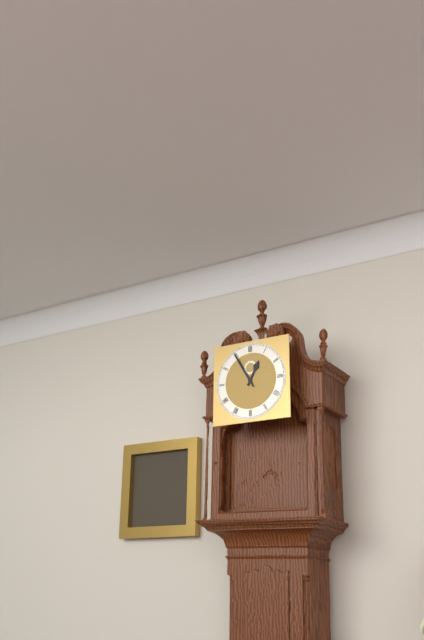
12h55
